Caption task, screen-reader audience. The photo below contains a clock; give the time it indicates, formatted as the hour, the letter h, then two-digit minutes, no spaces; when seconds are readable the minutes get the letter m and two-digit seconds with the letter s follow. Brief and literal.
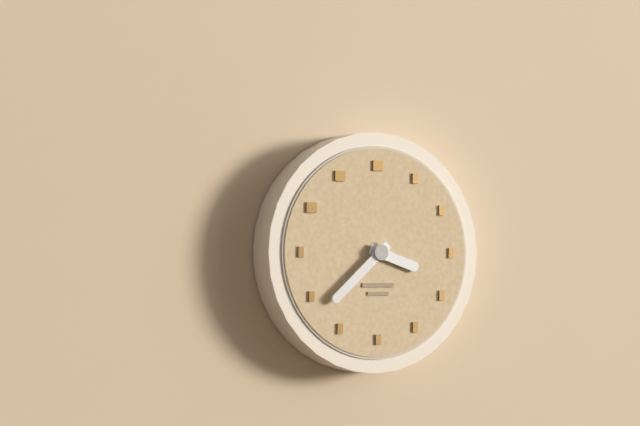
3h38
